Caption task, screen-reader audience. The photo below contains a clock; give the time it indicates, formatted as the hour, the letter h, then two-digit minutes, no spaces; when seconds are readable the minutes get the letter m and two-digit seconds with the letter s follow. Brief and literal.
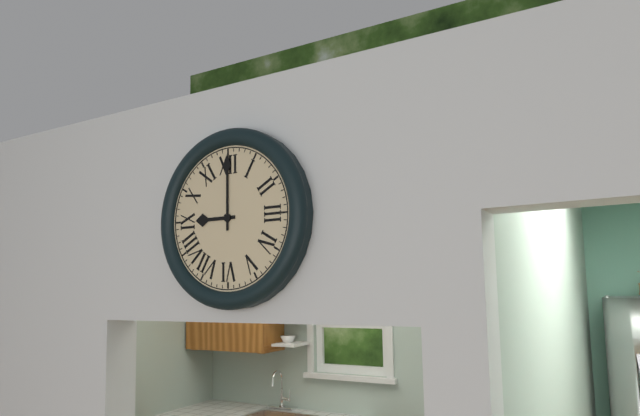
9h00
